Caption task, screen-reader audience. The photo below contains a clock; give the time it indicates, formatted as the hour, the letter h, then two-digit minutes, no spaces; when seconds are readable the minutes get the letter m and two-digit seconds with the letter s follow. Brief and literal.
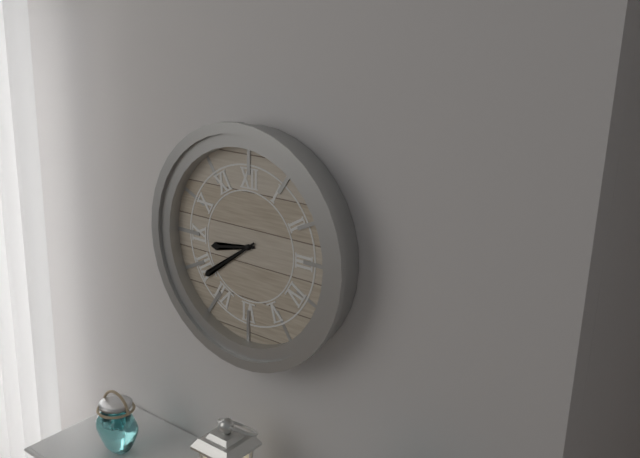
8h39
